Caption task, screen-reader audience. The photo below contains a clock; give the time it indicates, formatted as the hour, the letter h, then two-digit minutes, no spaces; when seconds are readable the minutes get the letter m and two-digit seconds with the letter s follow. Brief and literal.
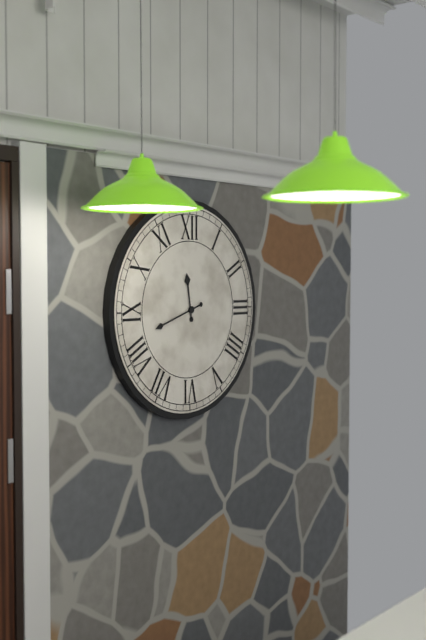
11h42
